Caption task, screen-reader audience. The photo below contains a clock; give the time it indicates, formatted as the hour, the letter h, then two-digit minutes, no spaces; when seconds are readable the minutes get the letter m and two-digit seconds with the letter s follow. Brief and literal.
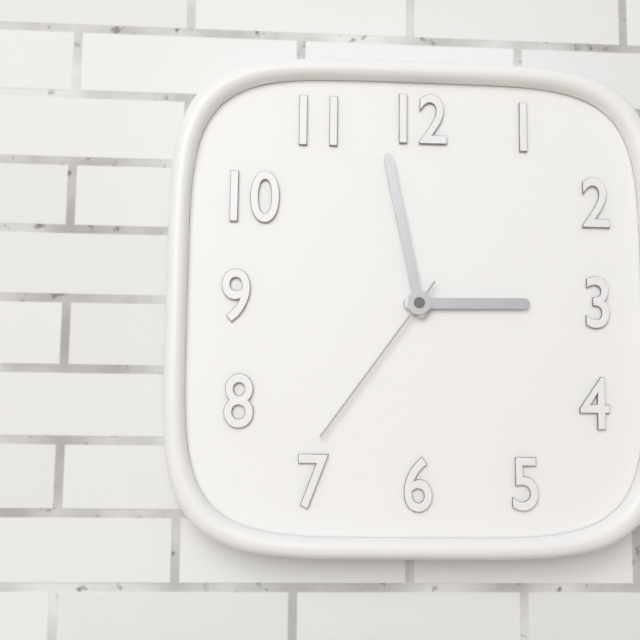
2h58m36s
